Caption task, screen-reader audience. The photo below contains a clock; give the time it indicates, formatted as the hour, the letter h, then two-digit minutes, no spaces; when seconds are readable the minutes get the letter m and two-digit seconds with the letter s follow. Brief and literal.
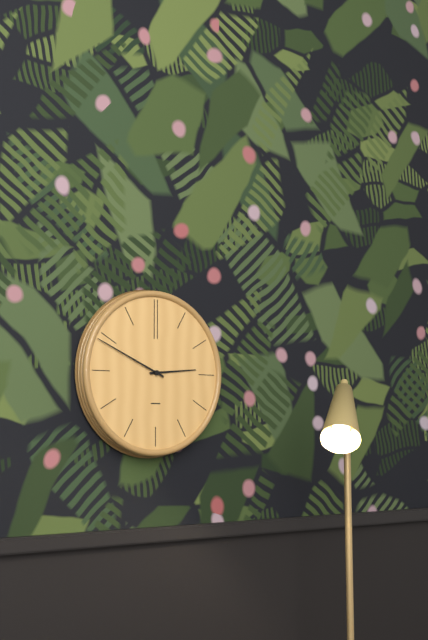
2h49
